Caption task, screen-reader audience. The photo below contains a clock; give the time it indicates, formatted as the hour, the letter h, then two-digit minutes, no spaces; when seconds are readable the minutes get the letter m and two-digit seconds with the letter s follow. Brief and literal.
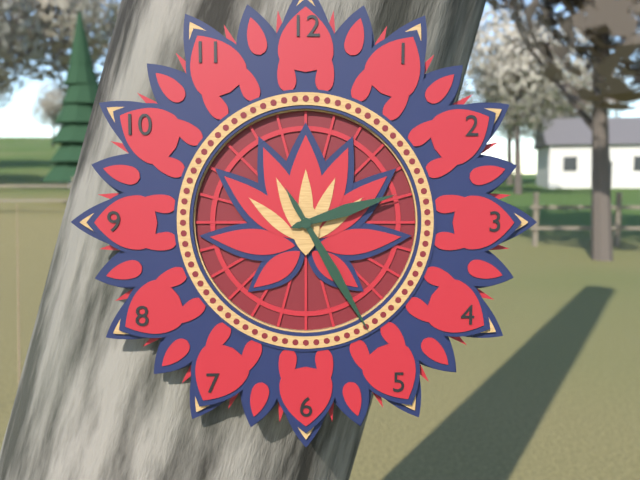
2h25
